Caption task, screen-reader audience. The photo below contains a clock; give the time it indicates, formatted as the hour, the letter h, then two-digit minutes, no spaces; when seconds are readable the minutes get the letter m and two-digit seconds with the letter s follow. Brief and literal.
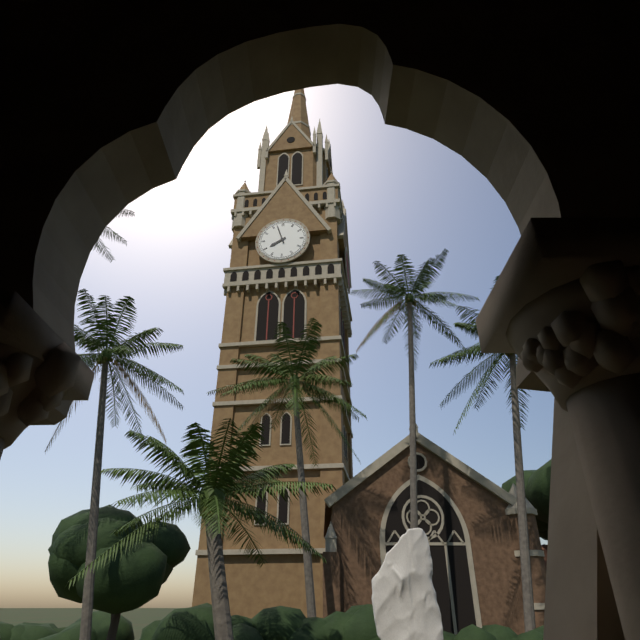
7h57
